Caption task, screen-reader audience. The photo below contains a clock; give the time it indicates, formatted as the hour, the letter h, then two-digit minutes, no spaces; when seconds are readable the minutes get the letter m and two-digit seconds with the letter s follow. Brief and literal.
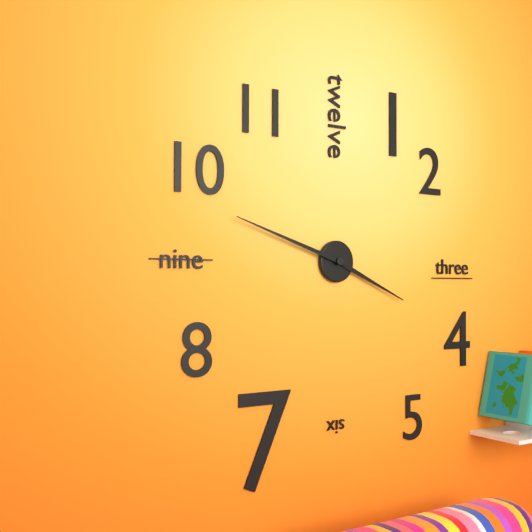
3h48
